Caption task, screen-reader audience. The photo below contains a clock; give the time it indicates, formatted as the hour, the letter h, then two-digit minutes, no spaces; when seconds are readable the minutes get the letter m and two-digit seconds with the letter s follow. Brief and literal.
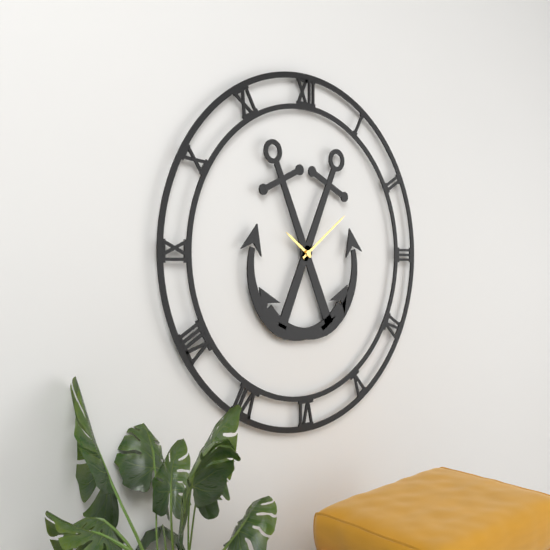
10h09
